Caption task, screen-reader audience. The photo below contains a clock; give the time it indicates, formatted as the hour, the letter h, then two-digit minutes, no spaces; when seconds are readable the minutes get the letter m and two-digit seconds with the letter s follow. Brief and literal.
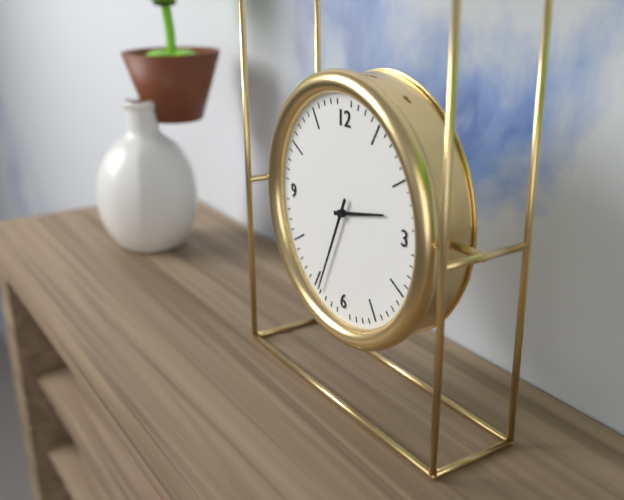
2h34
